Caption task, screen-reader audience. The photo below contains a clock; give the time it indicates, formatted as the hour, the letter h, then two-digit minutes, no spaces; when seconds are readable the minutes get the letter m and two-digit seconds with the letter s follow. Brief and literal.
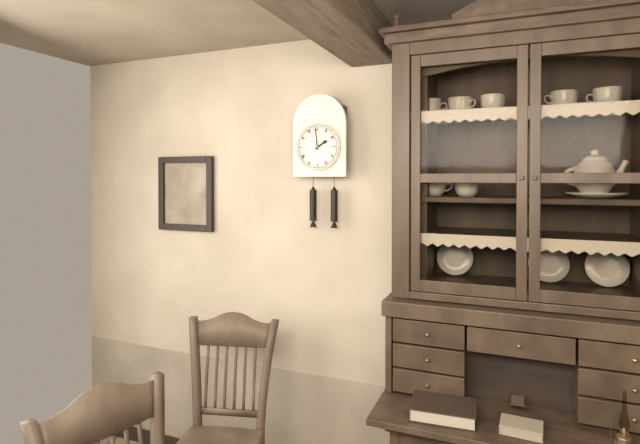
1h59
